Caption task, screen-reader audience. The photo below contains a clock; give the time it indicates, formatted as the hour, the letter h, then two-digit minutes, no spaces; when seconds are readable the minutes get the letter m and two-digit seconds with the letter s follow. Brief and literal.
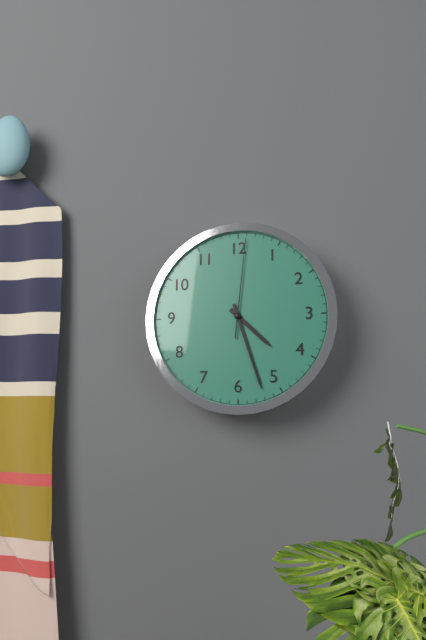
4h27m01s
